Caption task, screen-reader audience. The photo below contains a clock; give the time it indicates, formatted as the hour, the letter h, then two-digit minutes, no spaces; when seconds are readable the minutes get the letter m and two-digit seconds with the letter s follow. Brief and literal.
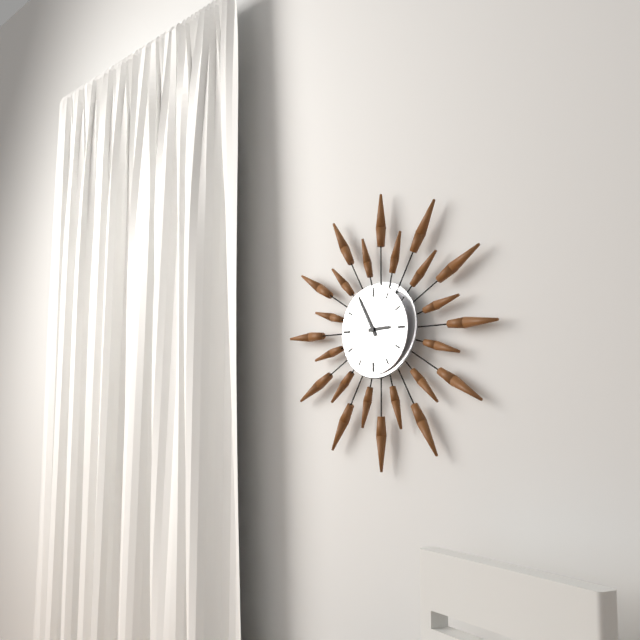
2h55
